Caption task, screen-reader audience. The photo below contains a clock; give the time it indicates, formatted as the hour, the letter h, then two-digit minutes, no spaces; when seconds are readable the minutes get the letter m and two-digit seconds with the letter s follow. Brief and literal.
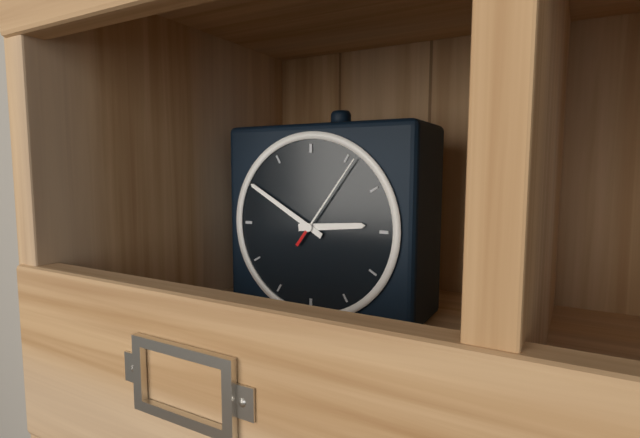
2h50m06s
